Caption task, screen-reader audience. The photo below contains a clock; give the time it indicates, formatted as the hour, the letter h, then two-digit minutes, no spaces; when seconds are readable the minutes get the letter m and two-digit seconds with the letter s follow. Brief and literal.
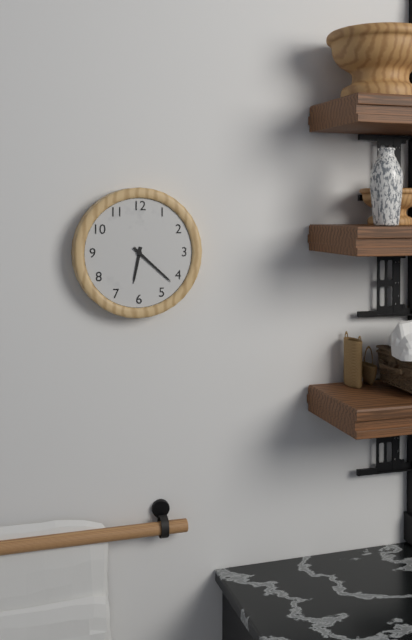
6h22
